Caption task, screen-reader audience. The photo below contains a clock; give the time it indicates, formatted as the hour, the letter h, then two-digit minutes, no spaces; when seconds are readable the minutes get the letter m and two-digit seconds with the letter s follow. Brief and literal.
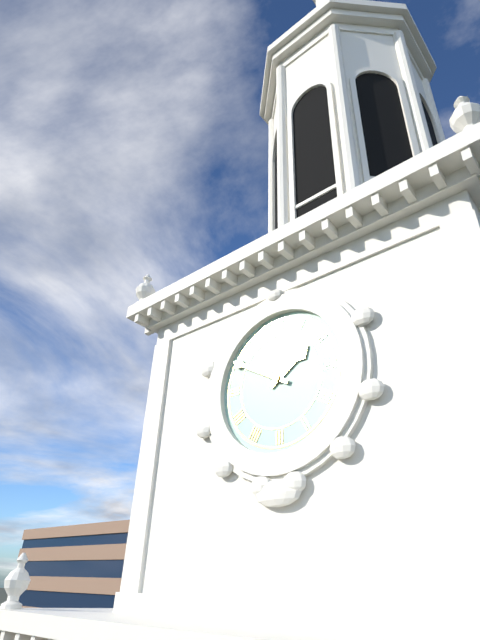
1h50
